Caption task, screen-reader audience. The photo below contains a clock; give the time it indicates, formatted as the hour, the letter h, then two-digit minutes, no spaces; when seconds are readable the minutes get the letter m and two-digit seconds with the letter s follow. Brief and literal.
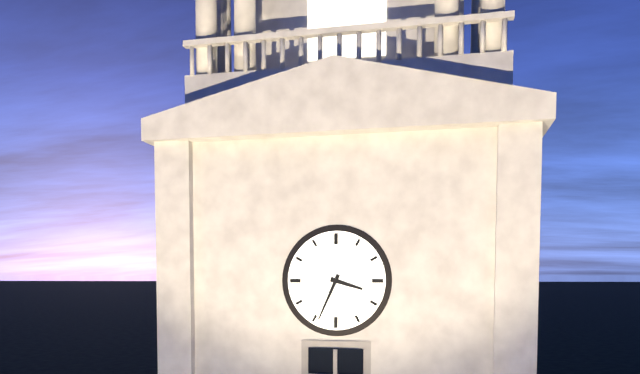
3h34
